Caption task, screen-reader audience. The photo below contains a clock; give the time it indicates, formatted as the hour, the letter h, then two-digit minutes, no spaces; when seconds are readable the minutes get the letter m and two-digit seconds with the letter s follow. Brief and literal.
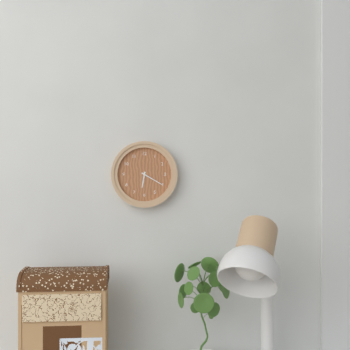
6h20
